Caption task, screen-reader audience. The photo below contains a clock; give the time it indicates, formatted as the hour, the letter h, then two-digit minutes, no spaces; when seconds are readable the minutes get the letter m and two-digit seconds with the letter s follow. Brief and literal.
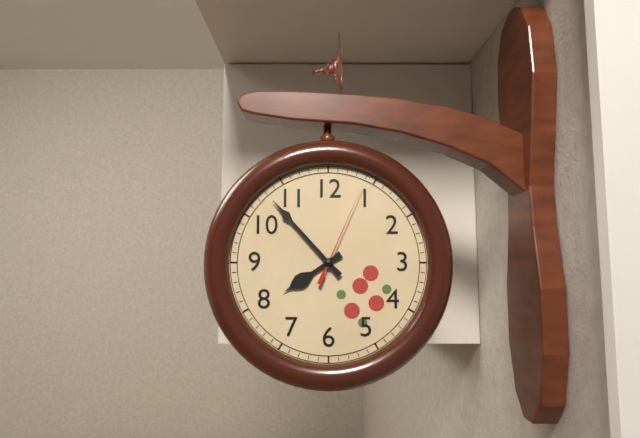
7h53m04s
